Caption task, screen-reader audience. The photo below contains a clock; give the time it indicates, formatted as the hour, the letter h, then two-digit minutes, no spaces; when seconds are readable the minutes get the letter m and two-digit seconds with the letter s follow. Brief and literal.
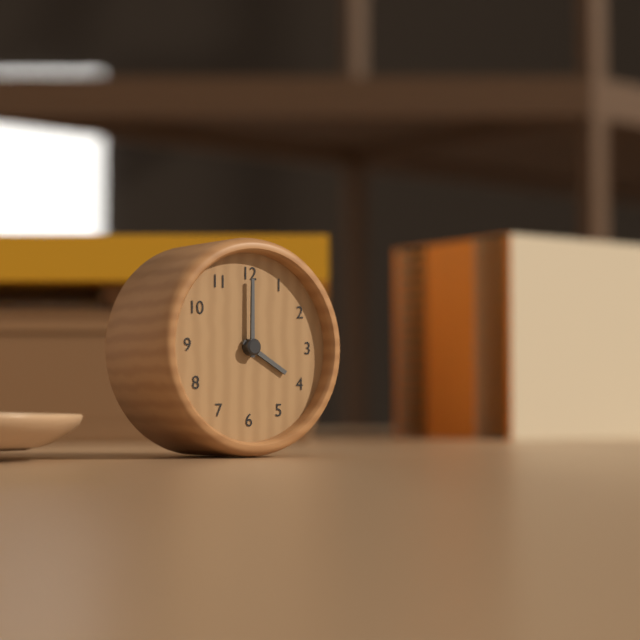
4h00
